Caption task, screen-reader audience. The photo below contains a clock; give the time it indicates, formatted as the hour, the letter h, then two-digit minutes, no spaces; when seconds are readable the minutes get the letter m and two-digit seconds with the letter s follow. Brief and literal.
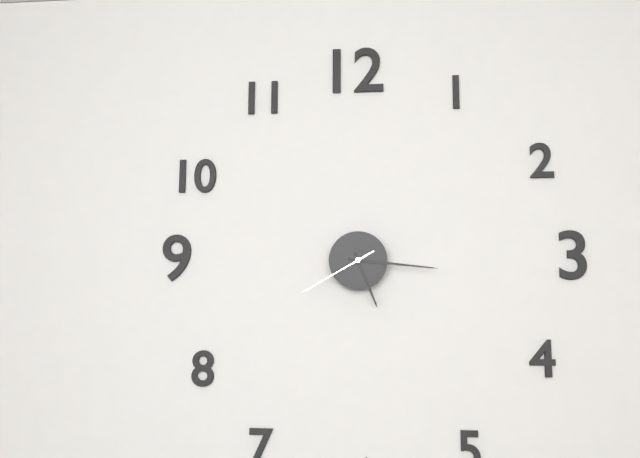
5h16m40s
